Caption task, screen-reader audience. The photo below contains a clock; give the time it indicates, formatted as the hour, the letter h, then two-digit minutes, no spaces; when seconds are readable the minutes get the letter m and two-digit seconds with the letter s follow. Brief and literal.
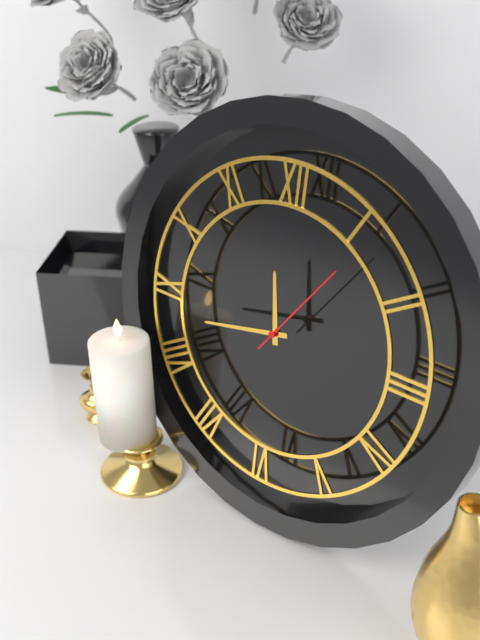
11h43m06s
